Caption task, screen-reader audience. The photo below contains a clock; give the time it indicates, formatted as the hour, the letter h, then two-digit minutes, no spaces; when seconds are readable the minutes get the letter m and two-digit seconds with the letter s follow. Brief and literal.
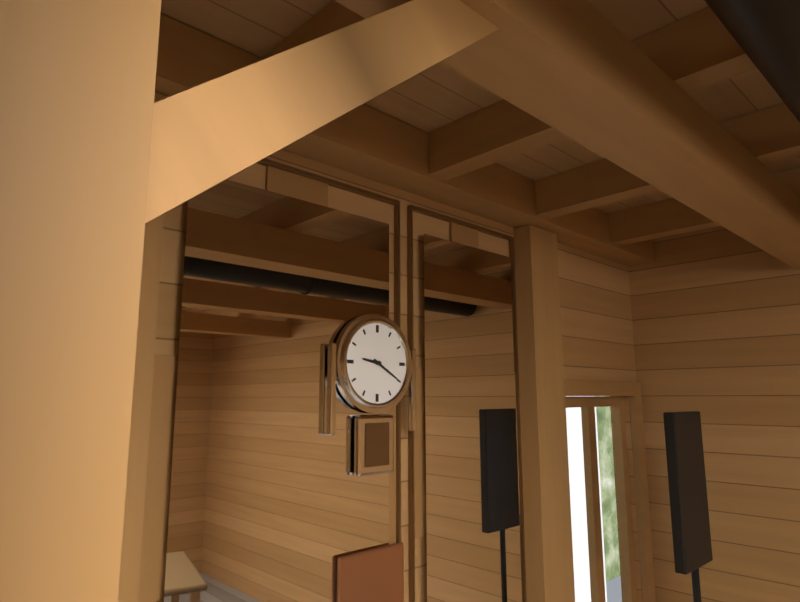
9h20
